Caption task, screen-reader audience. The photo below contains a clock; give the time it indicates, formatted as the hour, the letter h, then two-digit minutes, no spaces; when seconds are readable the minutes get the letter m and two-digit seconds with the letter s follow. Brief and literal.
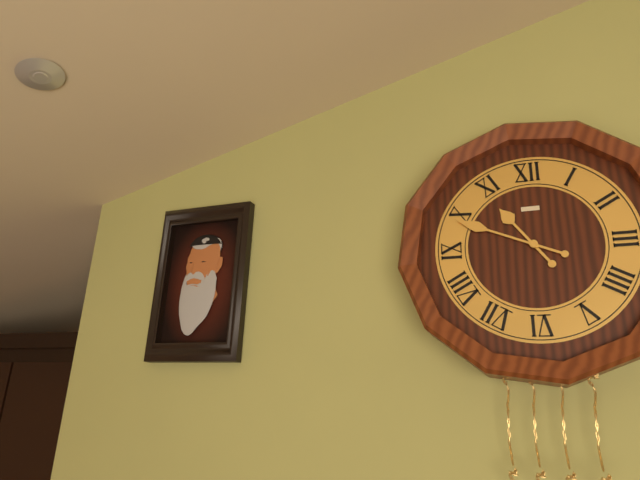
10h49
